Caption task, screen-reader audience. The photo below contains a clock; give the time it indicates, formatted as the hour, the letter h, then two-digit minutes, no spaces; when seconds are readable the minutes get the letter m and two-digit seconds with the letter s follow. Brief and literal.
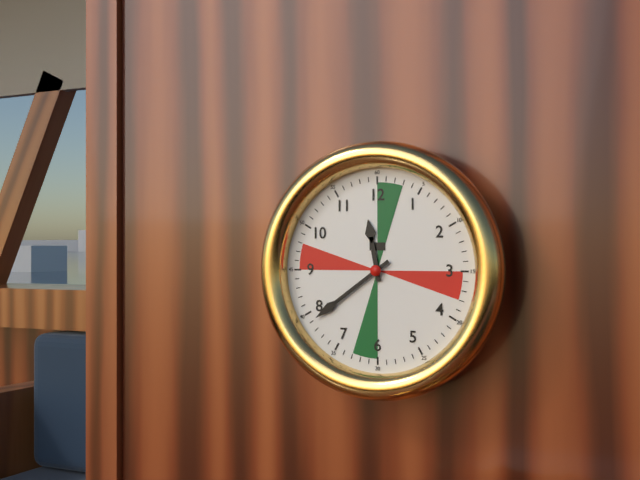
11h39
